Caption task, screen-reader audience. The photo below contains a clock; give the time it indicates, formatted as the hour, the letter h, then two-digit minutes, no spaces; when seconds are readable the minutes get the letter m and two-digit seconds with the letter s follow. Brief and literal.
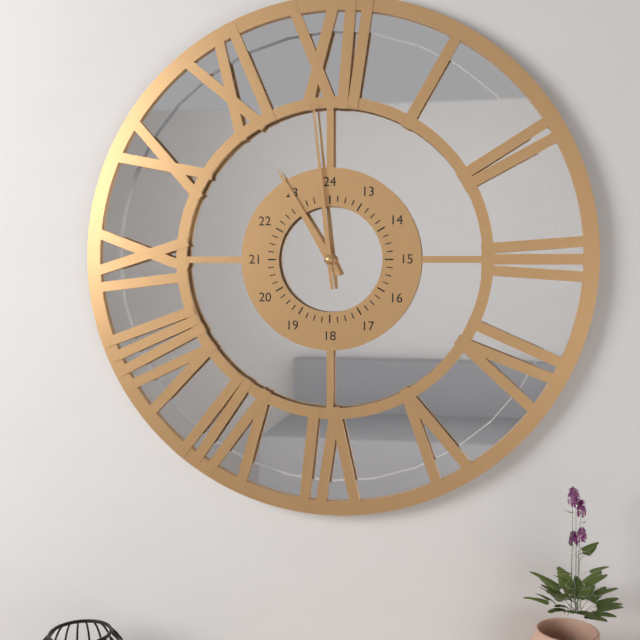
10h59
